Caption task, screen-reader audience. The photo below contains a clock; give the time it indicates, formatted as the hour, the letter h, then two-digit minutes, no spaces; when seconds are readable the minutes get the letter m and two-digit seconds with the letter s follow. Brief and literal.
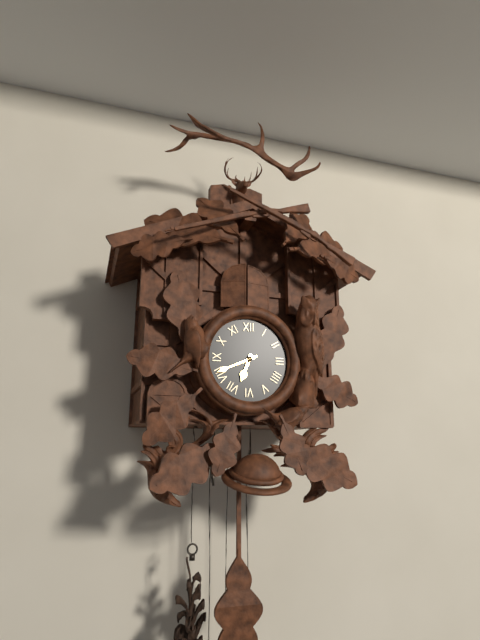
6h41
